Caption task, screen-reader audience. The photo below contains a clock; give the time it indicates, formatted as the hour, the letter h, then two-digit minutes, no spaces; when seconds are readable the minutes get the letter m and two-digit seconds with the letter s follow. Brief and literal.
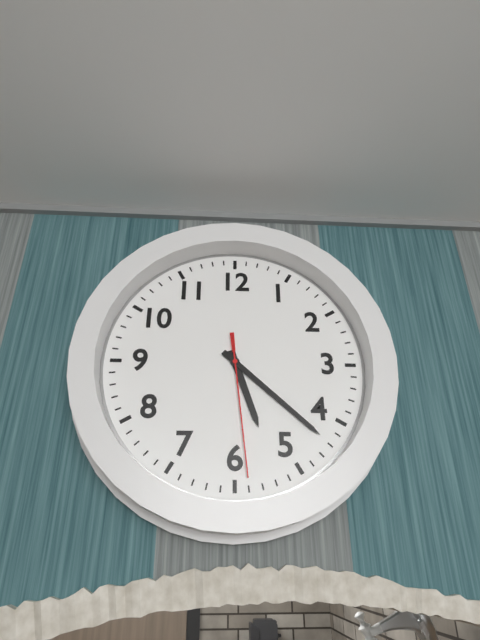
5h22m29s
